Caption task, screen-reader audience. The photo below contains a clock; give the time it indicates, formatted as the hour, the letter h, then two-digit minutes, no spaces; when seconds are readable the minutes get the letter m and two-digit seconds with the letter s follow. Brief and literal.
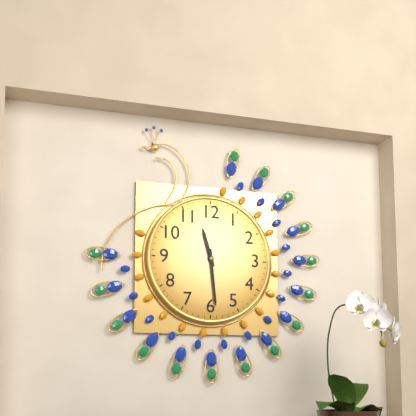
11h29
